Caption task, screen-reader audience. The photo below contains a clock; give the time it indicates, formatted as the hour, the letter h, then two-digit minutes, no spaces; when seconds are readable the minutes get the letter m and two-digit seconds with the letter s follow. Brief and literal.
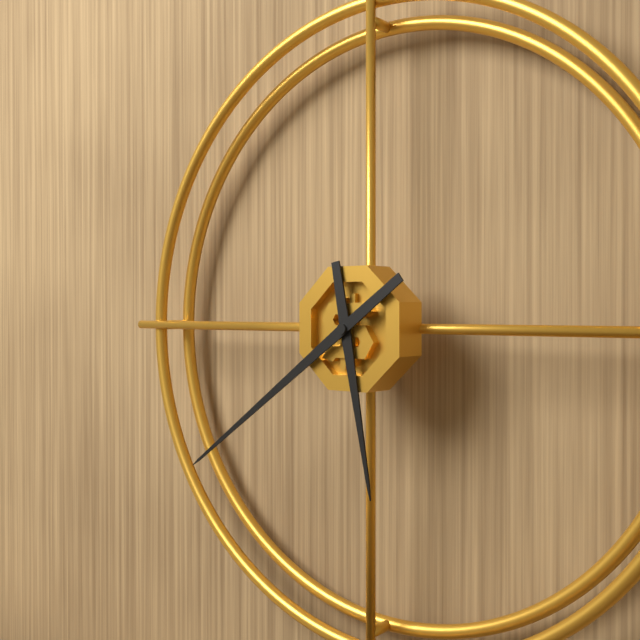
5h39
